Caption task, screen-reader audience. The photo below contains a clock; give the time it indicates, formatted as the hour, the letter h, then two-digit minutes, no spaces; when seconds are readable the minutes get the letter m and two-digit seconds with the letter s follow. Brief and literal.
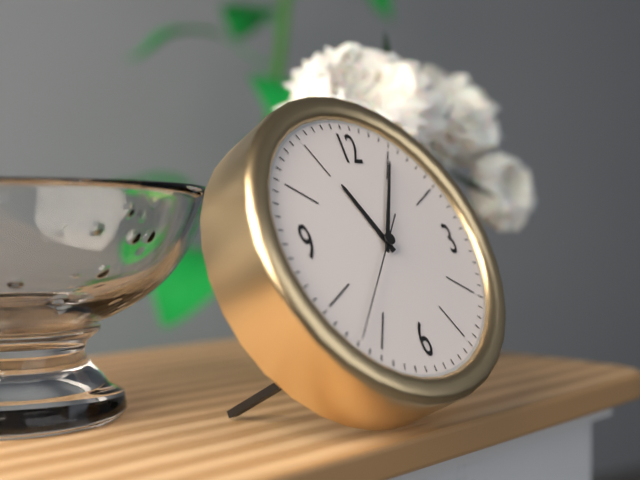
11h05m37s
